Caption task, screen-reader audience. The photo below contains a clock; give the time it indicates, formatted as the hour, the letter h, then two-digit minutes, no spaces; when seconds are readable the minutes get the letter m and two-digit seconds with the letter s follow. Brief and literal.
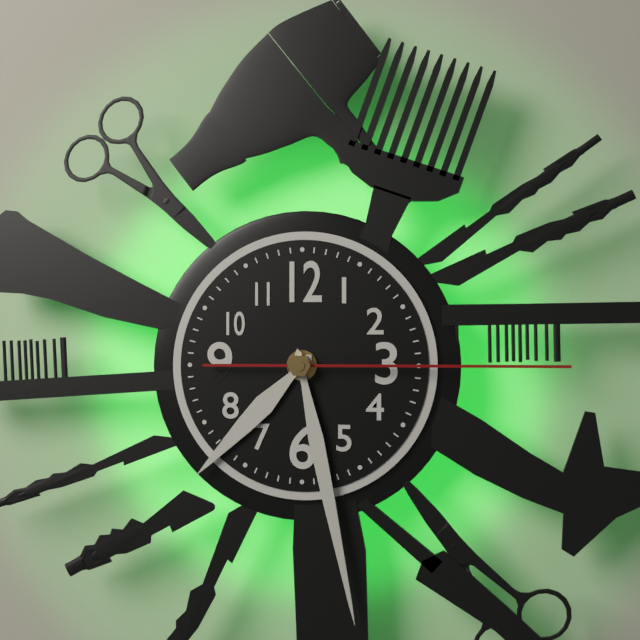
7h28m15s
